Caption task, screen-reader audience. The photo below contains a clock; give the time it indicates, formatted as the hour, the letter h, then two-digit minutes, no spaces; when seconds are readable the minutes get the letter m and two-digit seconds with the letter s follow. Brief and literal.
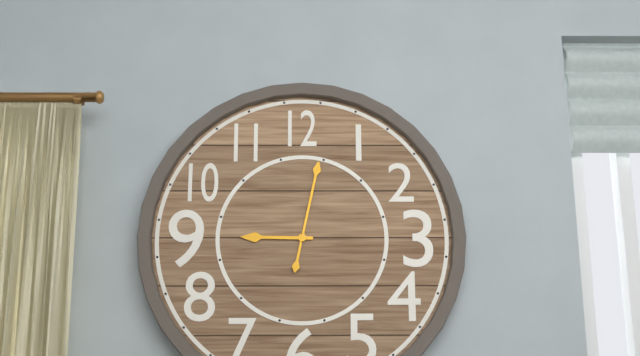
9h02
